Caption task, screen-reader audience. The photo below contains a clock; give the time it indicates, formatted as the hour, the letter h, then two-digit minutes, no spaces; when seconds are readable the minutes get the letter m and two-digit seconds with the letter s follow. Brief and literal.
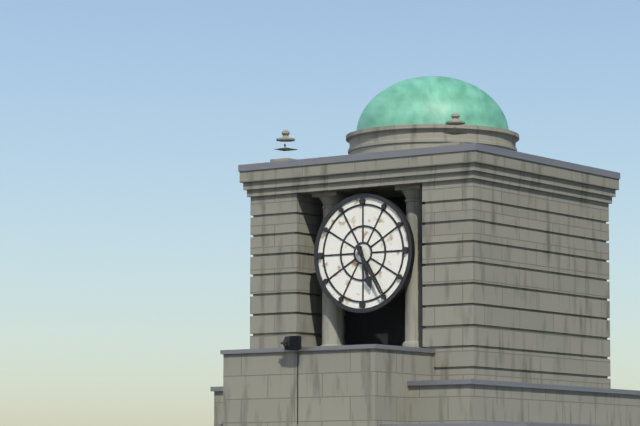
5h25
